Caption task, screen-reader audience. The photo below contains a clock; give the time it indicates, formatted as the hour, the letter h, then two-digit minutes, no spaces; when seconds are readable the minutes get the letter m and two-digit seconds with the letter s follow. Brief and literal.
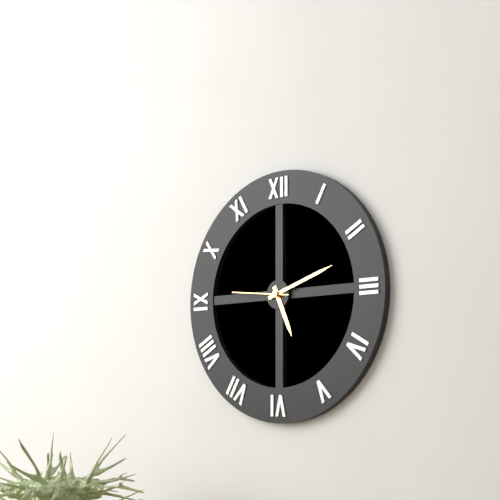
5h12m46s
